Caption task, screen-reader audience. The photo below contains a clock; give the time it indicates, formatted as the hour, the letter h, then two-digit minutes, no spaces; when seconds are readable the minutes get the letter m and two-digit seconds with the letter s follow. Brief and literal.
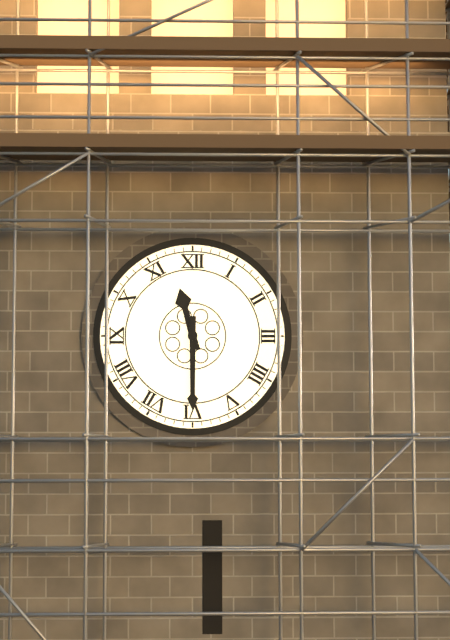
11h30
